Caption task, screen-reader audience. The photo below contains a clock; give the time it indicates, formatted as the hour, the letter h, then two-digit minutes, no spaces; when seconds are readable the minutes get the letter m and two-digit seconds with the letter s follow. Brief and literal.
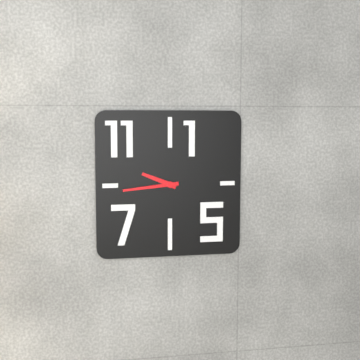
9h44
